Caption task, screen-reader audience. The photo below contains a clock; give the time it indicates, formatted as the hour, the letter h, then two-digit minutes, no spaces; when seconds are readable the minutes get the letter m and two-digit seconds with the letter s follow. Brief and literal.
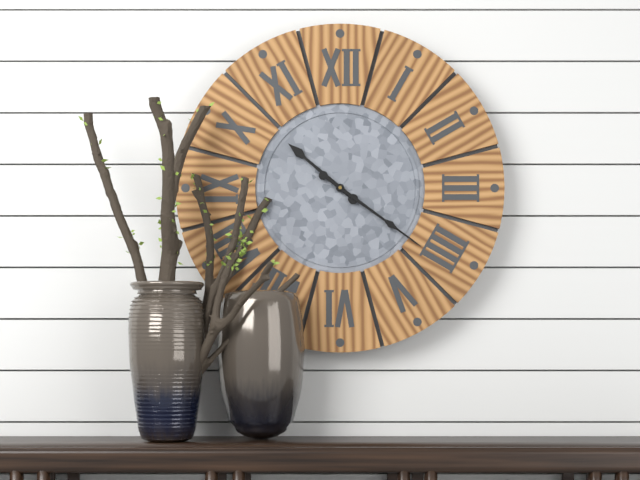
10h21
